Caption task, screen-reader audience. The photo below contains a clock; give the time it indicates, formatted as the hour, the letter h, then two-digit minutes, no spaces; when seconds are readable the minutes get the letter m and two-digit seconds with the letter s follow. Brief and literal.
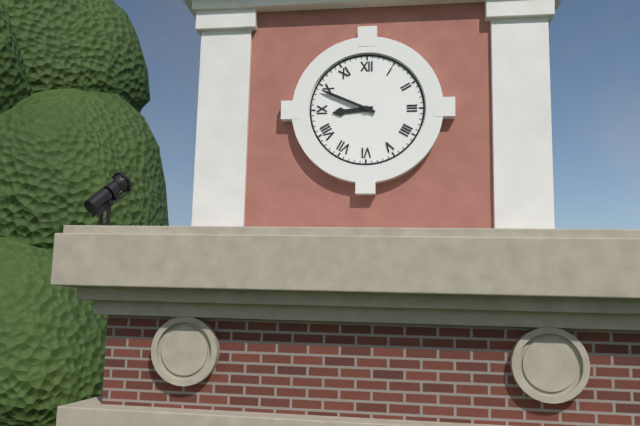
8h49
